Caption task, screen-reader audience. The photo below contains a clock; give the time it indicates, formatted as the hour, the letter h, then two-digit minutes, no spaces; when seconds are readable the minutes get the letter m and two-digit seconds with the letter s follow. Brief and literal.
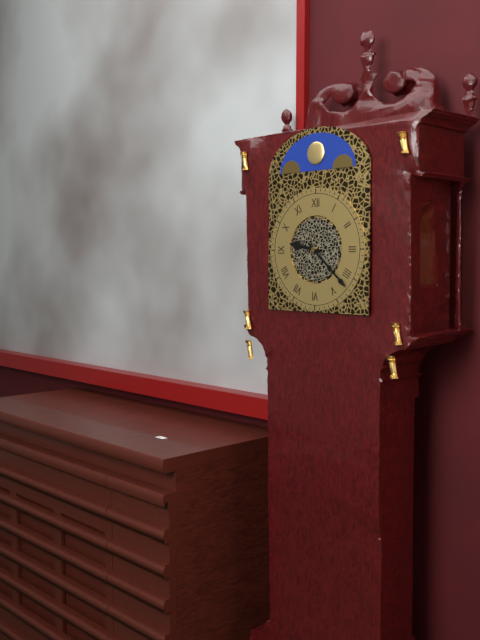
9h22
